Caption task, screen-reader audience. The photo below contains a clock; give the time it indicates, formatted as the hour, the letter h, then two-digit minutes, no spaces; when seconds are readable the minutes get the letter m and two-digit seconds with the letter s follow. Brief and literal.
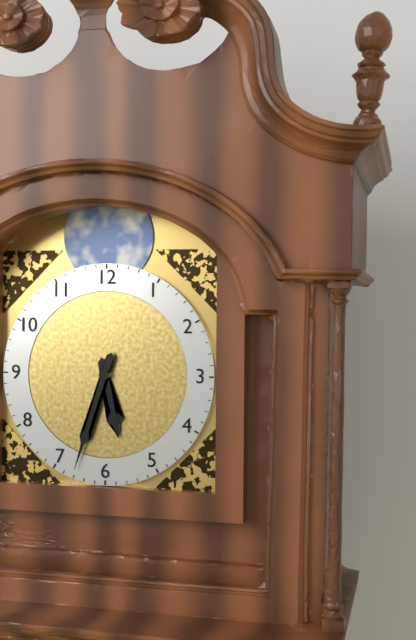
5h33
